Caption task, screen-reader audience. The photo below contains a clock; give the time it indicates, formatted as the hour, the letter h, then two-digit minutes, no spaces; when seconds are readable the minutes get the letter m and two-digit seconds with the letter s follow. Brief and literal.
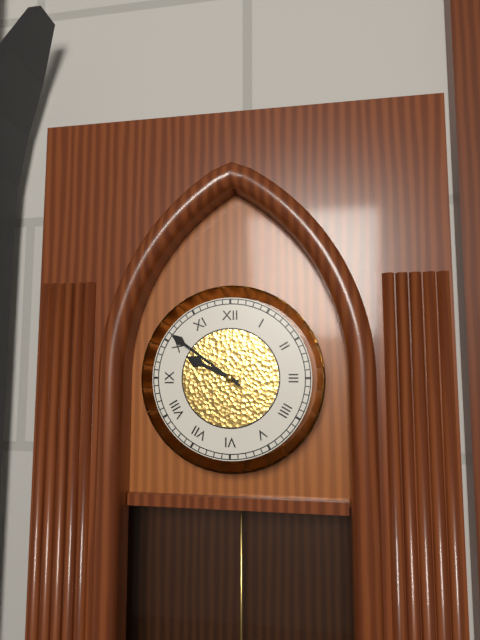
9h51
